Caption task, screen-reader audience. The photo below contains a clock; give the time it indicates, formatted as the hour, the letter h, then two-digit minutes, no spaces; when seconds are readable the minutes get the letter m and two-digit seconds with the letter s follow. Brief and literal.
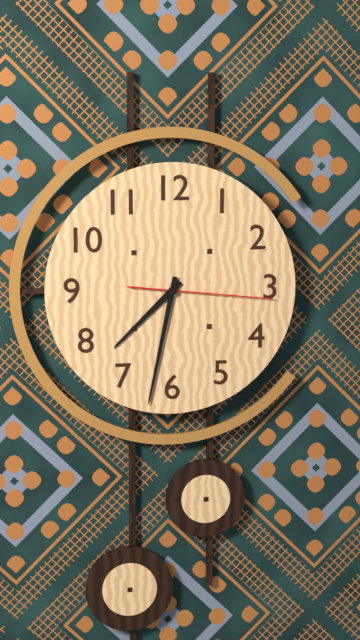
7h32m16s
